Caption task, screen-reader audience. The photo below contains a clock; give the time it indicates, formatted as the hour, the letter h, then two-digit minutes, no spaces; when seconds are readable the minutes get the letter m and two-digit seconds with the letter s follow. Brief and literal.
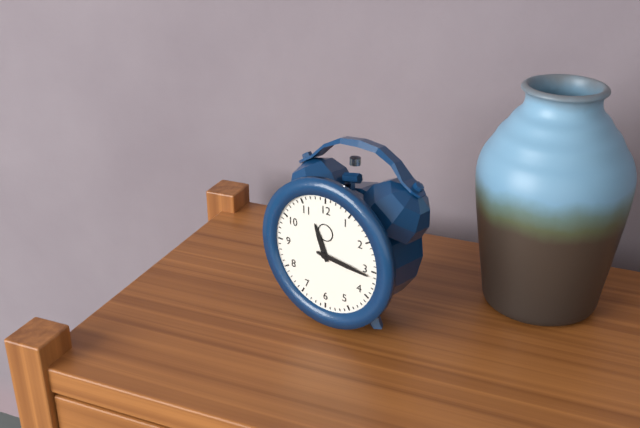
11h16
